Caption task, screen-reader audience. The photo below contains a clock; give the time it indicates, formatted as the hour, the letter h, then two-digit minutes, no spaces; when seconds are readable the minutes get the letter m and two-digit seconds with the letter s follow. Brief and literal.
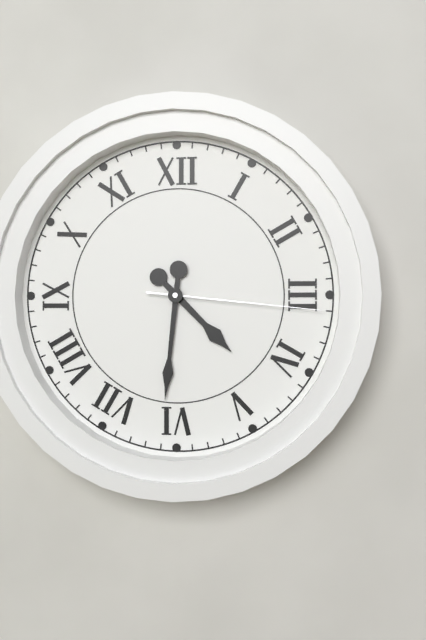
4h31m16s
